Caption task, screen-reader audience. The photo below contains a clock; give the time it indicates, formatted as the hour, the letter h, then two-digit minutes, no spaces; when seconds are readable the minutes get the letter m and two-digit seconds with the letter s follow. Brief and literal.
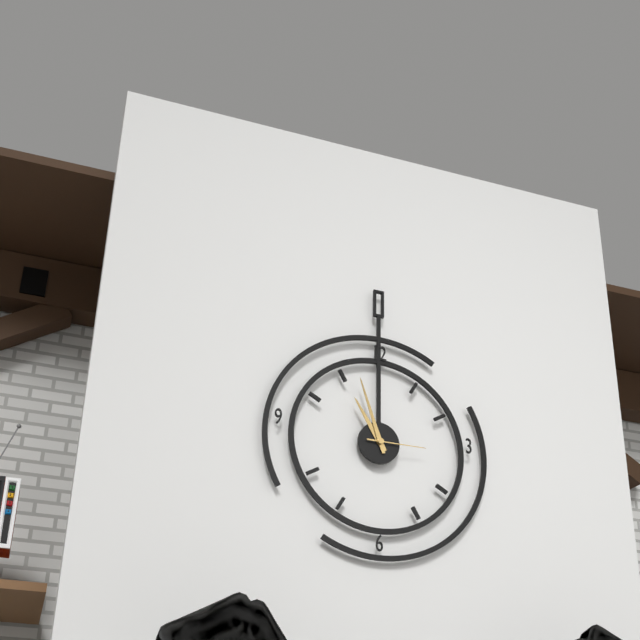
10h57m15s
